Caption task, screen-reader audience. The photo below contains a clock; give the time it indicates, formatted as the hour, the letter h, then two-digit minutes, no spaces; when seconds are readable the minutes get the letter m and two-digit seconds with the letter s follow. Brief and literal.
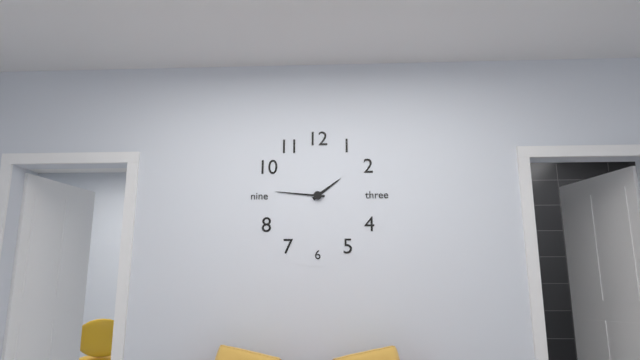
1h46
